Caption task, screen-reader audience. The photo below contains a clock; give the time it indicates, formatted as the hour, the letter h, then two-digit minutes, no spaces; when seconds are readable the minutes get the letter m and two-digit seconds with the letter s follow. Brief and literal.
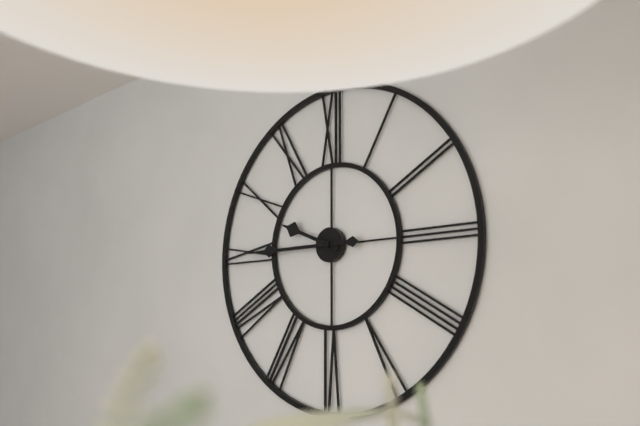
9h45
